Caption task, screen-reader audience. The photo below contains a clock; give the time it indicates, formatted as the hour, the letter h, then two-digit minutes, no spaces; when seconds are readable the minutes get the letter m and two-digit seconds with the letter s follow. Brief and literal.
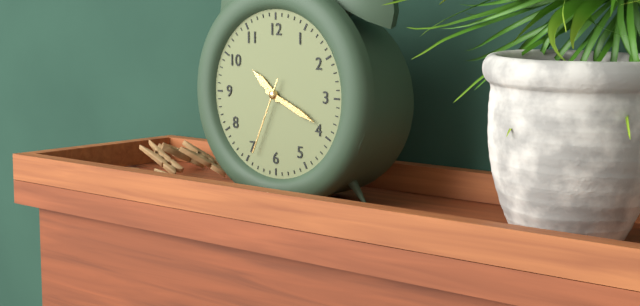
10h19m34s
